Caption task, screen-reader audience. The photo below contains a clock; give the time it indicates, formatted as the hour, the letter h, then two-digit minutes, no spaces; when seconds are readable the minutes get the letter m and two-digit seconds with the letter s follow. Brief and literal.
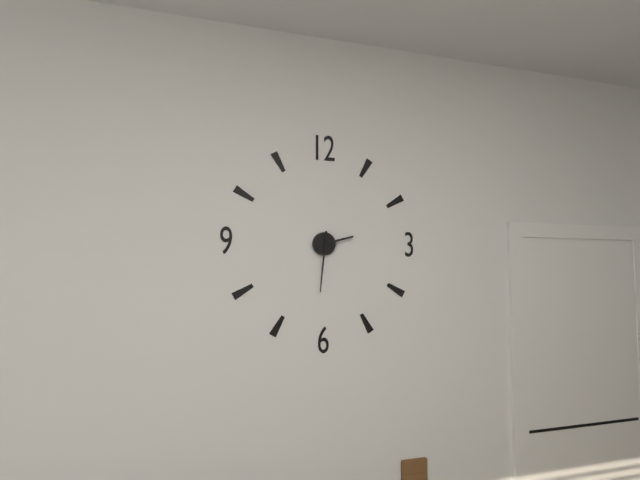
2h31
